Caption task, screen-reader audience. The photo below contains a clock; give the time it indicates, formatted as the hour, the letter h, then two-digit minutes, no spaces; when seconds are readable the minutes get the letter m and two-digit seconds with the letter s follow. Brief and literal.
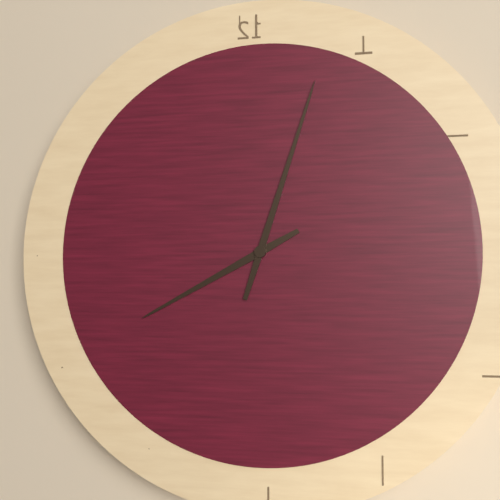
8h03
